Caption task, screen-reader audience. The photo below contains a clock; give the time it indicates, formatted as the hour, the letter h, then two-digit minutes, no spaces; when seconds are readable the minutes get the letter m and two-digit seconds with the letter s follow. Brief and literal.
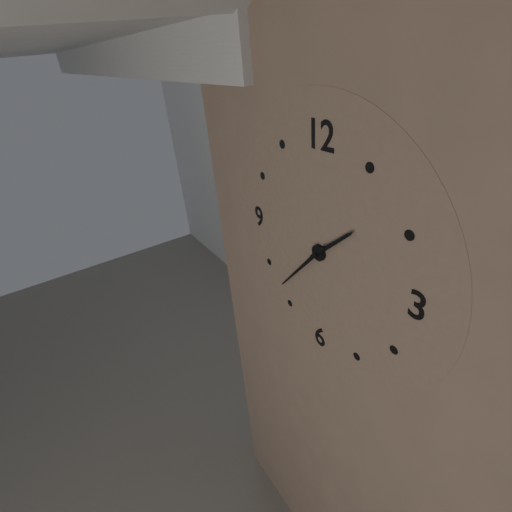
1h37
